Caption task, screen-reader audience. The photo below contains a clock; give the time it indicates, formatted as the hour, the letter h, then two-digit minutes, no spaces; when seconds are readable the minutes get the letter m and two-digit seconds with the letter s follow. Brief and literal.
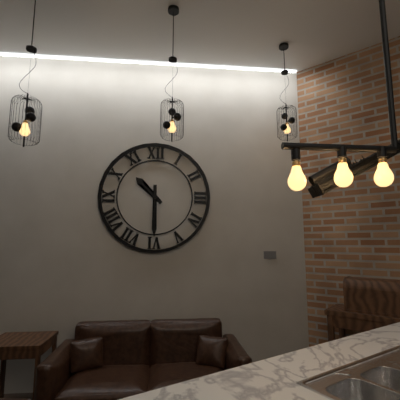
10h30
